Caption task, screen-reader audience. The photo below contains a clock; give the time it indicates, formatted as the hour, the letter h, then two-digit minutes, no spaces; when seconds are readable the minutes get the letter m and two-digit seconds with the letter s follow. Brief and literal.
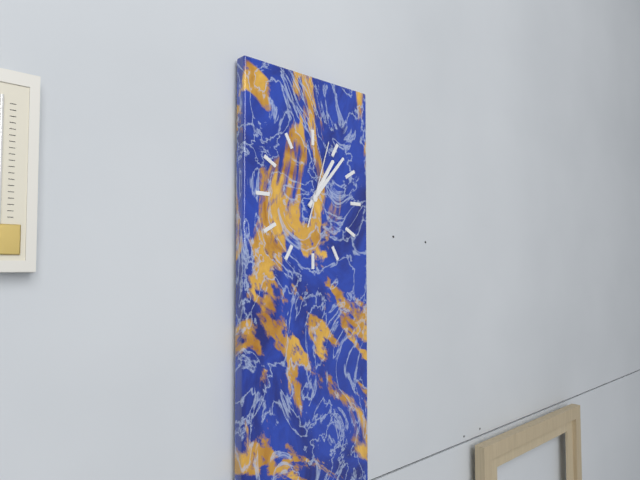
1h07m03s
